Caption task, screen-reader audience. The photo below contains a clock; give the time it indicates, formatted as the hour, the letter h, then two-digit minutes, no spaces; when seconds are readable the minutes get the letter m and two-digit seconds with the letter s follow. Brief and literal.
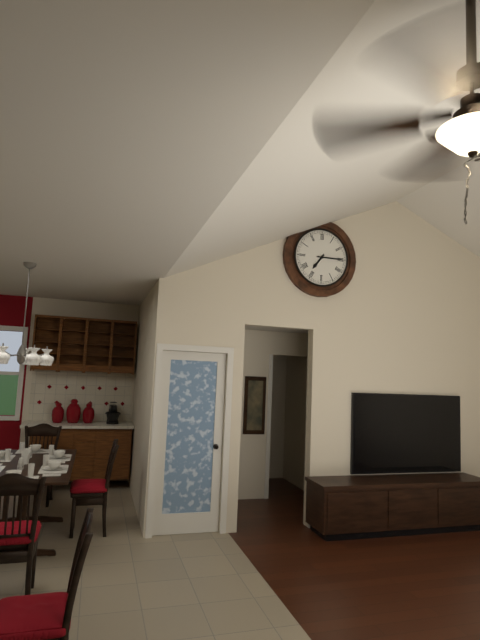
7h15
